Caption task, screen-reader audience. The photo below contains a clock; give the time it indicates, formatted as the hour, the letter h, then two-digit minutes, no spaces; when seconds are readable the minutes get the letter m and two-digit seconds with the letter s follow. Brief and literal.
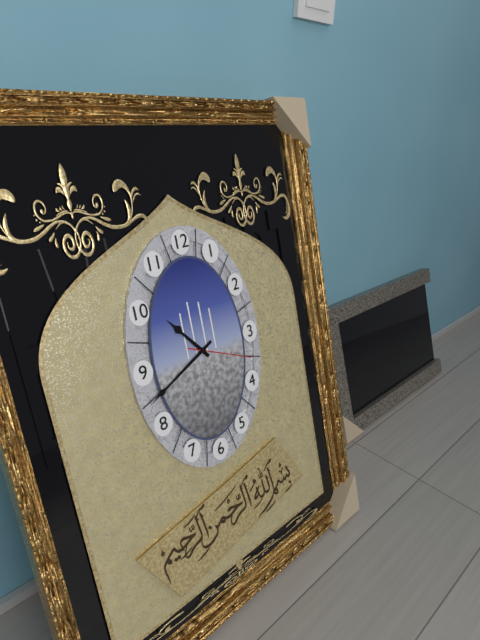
10h41m19s
